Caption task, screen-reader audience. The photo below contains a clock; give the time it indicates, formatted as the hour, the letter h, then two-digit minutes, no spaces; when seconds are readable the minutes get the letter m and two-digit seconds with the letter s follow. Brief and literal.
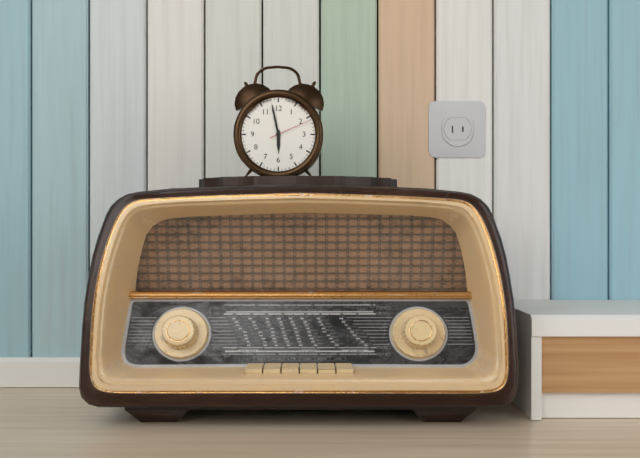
5h58
